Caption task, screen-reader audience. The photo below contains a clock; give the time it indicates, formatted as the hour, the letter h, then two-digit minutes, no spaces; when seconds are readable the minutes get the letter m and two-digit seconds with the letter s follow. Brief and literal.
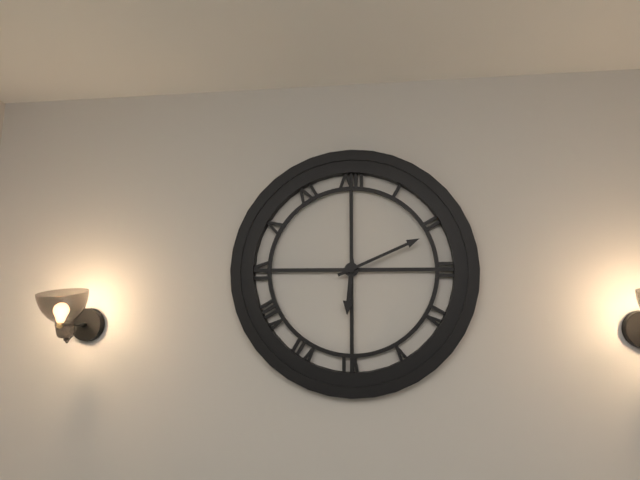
6h11
